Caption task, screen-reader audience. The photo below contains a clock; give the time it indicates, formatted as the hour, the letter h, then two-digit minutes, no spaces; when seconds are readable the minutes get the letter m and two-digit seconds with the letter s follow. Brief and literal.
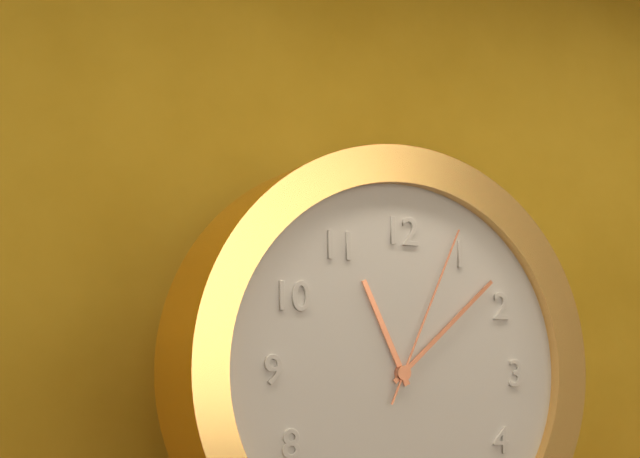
11h08m04s
